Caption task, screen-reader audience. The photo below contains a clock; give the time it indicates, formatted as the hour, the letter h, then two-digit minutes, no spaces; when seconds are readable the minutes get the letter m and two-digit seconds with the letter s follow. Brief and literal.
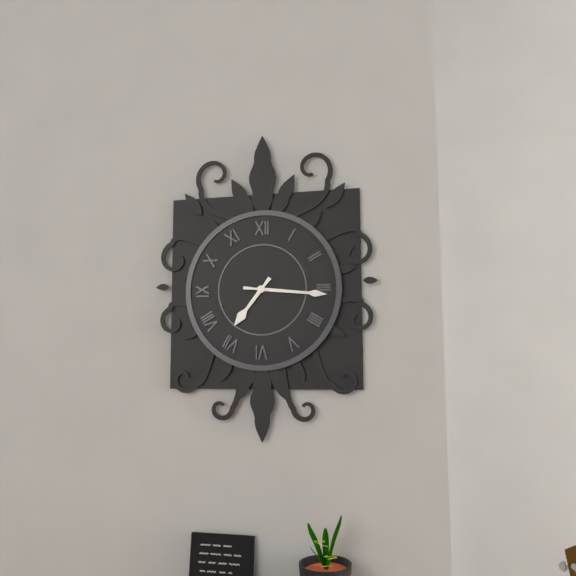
7h16
